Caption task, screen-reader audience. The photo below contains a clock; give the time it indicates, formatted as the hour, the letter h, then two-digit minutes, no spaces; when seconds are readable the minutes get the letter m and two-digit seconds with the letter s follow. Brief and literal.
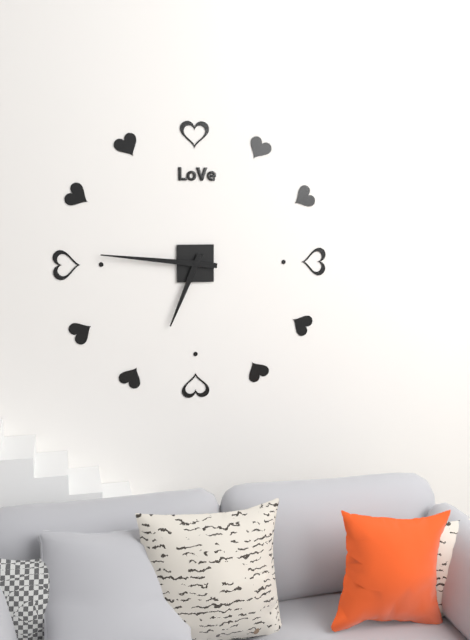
6h46
